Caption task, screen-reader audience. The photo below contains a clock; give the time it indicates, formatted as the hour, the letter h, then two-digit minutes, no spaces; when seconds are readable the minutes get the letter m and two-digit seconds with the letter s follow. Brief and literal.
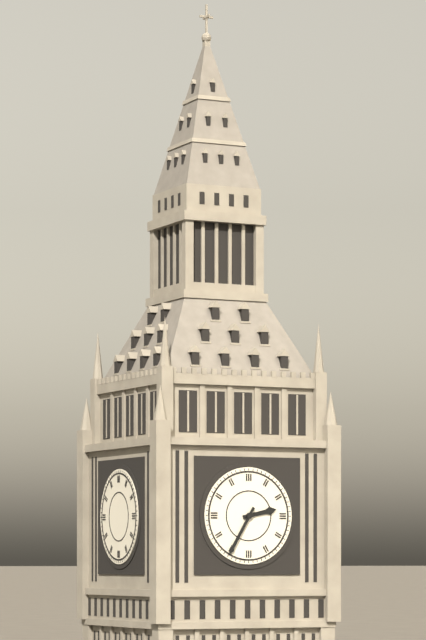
2h35
